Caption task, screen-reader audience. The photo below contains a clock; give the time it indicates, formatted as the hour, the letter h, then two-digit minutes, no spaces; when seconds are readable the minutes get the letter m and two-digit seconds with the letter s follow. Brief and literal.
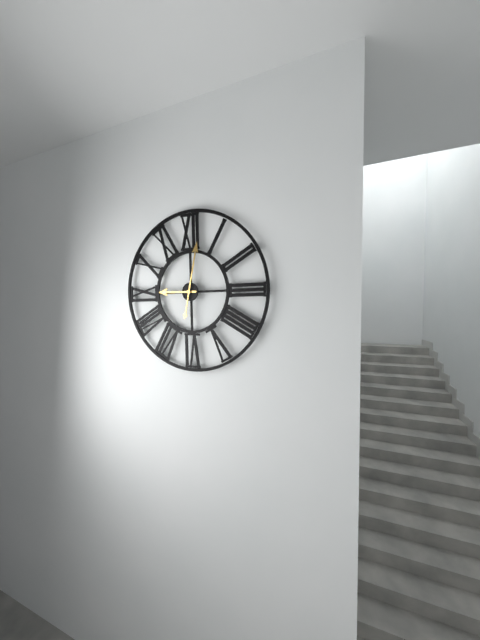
9h02
